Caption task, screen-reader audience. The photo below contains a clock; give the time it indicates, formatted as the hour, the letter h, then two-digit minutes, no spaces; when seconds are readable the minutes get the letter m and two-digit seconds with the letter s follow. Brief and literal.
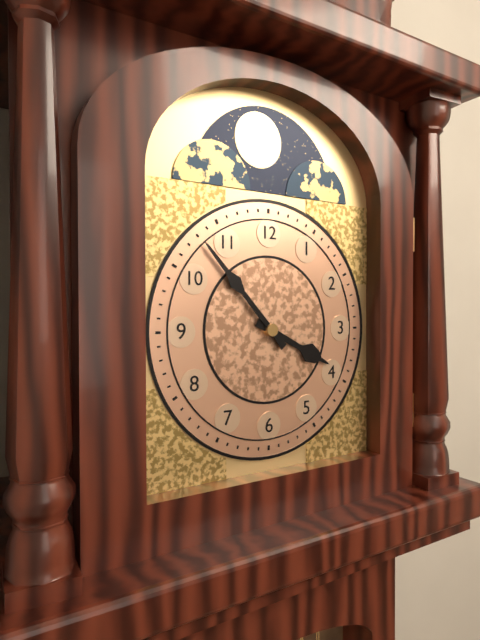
3h53
